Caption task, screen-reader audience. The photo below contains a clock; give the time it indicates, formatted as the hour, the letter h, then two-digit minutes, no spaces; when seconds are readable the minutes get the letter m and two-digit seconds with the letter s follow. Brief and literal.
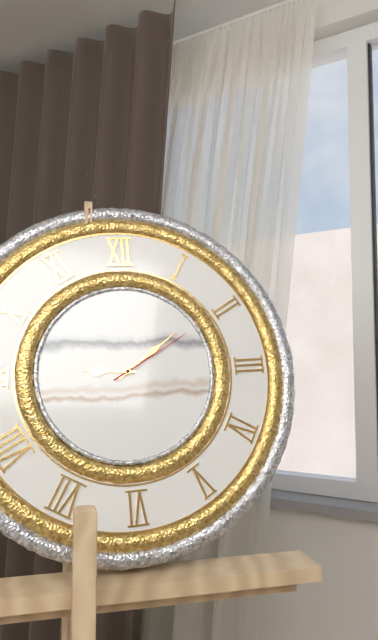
9h09m10s
